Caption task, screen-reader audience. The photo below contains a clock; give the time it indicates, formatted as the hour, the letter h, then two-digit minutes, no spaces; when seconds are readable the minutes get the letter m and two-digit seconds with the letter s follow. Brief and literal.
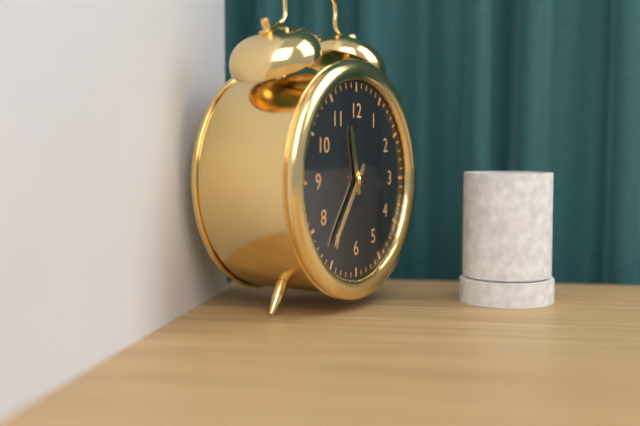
11h36
